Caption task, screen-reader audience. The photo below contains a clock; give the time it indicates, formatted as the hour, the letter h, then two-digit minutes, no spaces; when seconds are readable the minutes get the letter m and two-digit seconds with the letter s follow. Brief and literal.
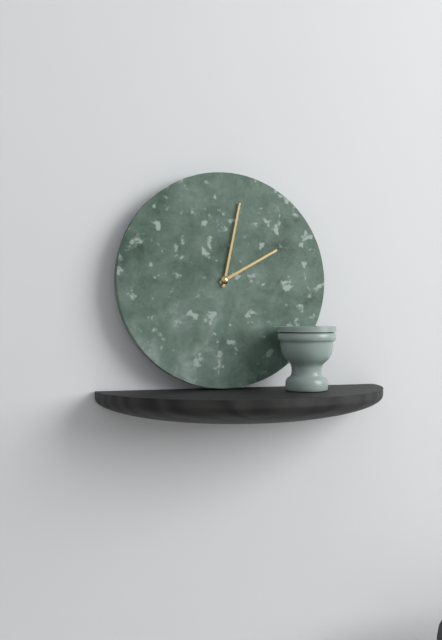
2h02
